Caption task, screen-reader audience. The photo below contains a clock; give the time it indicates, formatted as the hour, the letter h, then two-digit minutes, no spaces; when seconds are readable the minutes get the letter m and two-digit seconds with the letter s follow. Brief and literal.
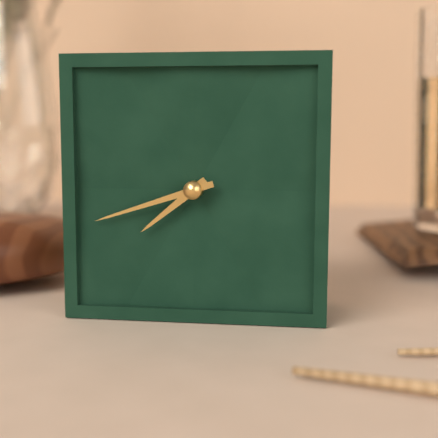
7h42
